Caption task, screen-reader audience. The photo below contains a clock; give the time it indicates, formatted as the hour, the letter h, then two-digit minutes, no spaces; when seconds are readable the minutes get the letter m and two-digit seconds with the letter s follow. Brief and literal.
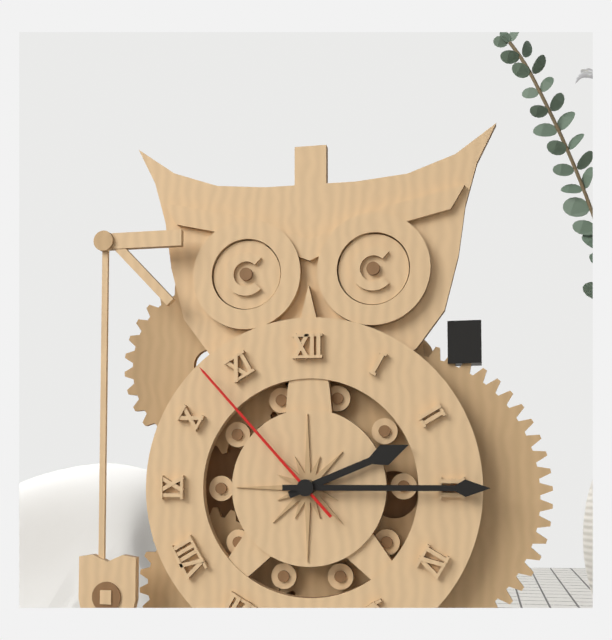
2h15m53s
